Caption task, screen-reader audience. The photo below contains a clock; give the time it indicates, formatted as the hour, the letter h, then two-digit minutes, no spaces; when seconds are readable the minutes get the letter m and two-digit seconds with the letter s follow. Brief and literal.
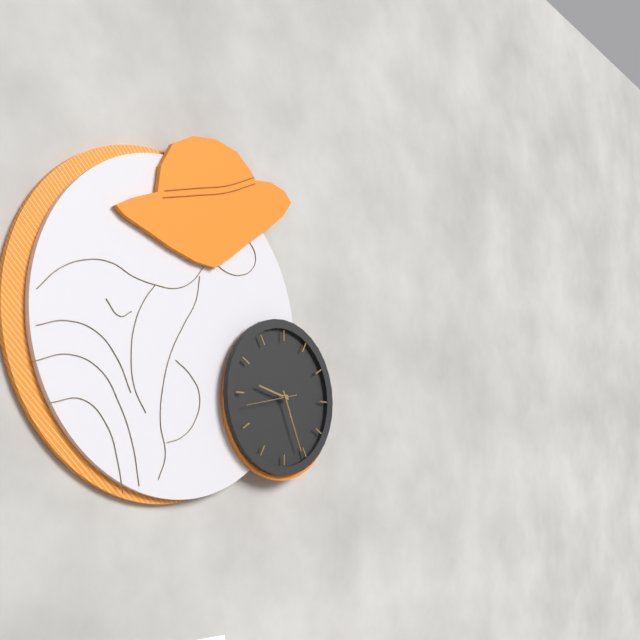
9h26
